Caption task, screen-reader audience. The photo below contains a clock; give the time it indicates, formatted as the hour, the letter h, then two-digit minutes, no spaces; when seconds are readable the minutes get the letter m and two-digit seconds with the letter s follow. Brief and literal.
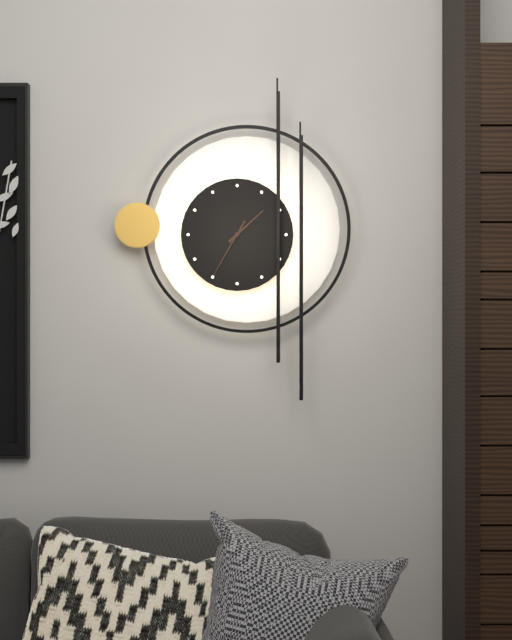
1h35
